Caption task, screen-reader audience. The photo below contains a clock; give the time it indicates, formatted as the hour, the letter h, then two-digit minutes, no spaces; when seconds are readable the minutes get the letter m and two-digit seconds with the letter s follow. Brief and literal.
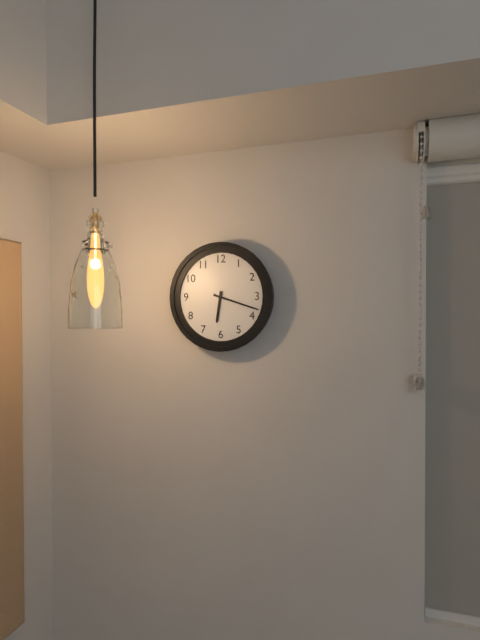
6h18
